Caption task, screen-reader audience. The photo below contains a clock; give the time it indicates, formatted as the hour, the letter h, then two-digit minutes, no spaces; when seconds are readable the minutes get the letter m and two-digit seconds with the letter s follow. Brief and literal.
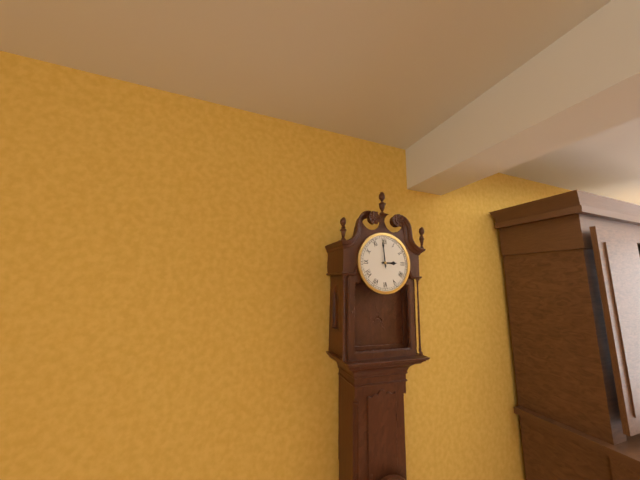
2h59
